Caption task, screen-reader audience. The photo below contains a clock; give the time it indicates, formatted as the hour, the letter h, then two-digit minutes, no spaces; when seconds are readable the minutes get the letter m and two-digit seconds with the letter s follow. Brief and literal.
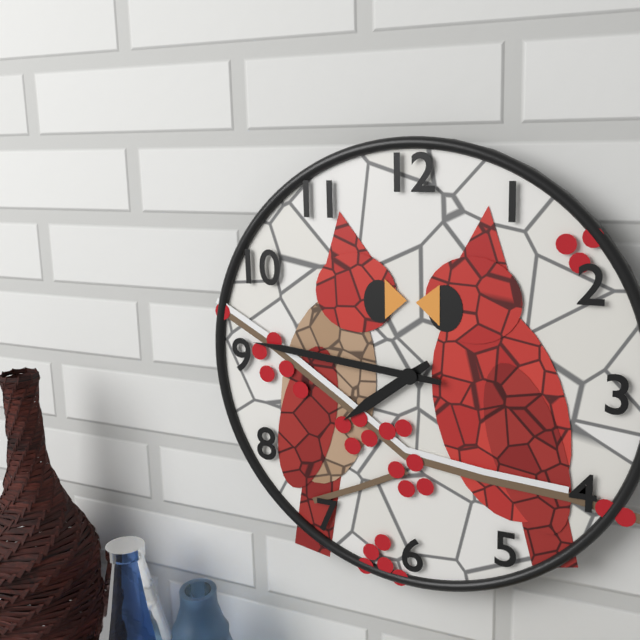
7h46
